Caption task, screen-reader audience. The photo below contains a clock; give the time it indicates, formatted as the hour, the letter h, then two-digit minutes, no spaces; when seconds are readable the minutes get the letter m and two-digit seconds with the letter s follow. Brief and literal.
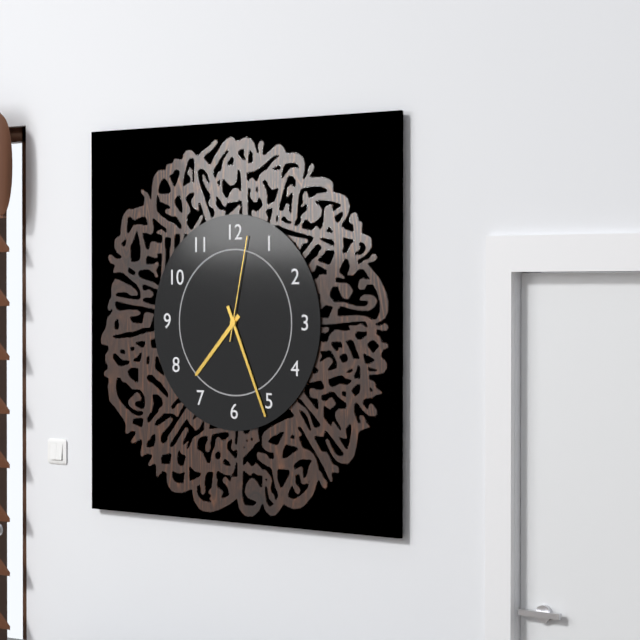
7h26m02s
